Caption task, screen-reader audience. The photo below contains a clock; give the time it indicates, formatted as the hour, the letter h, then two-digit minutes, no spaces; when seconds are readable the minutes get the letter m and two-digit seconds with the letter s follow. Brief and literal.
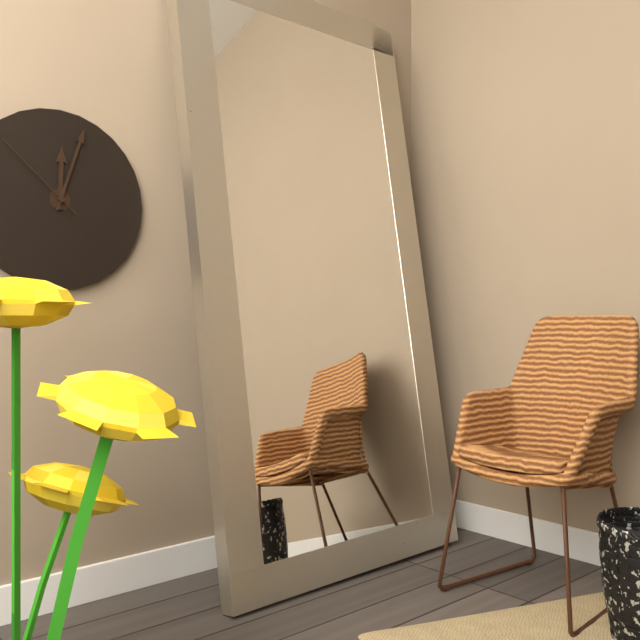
12h03m52s
